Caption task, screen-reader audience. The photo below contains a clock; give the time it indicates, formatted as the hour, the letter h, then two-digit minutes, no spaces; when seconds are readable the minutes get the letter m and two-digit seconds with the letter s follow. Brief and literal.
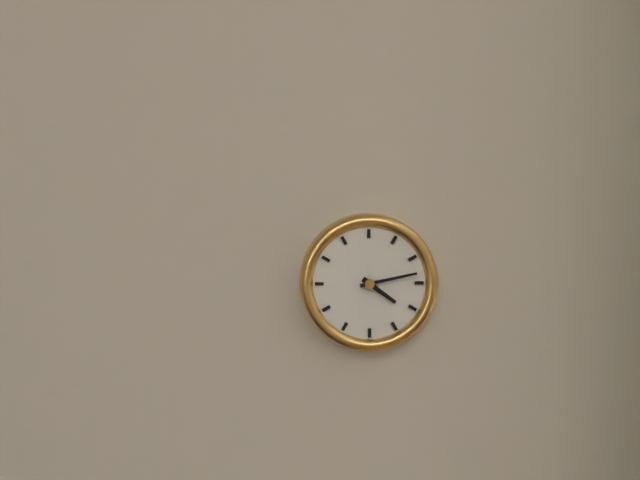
4h13
